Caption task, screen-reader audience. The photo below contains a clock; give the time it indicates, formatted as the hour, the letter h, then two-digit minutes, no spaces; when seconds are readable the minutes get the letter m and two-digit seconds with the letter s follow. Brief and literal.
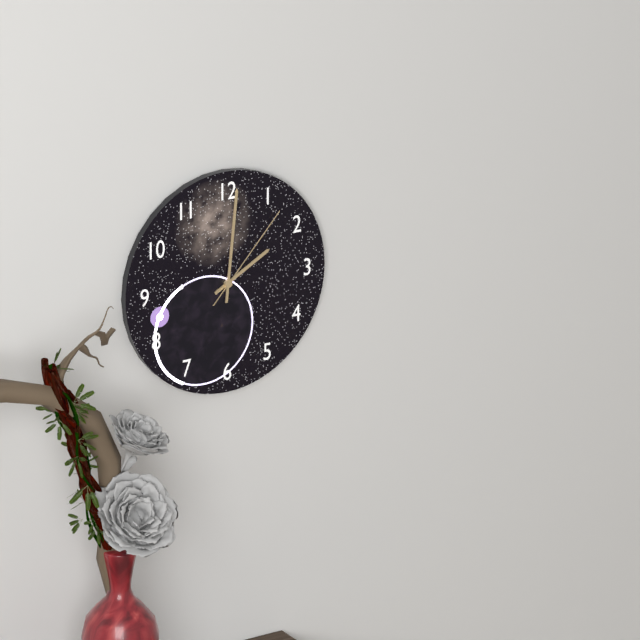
2h01m07s
